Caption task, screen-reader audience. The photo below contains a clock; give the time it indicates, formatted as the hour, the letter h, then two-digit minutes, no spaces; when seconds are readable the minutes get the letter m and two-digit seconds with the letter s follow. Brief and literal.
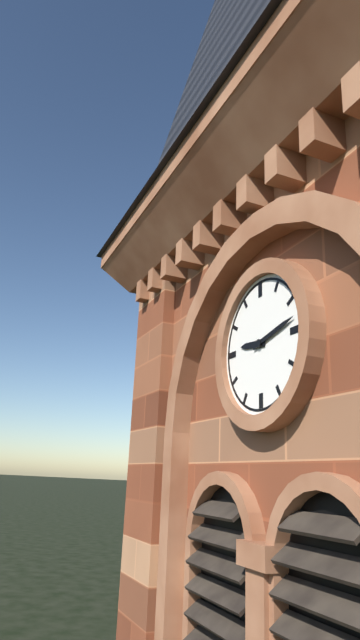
9h13
